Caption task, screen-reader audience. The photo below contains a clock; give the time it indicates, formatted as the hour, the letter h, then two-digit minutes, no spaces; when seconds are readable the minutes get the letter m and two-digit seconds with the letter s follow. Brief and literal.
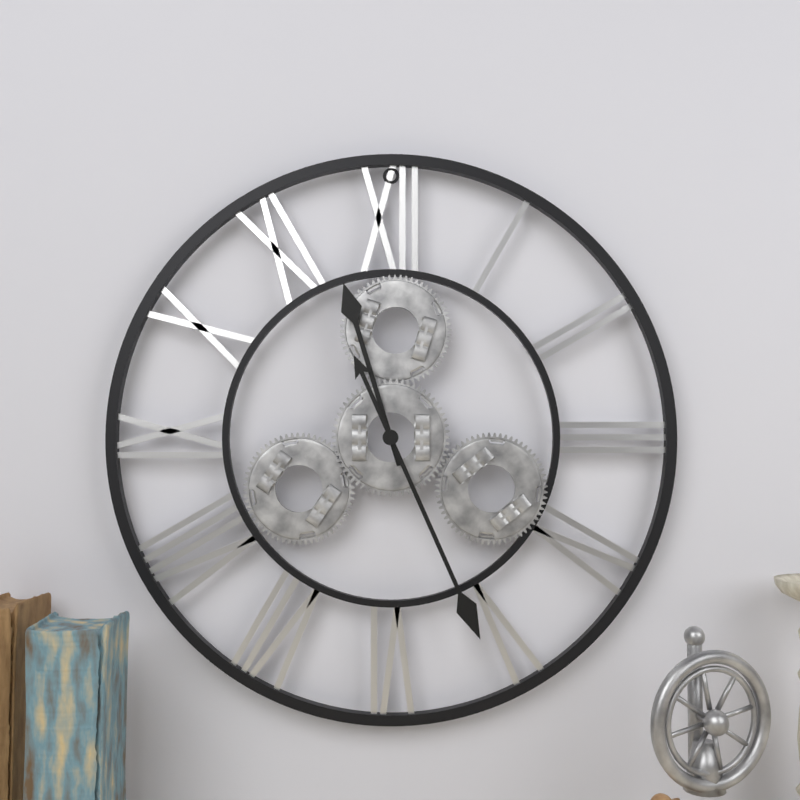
11h26
